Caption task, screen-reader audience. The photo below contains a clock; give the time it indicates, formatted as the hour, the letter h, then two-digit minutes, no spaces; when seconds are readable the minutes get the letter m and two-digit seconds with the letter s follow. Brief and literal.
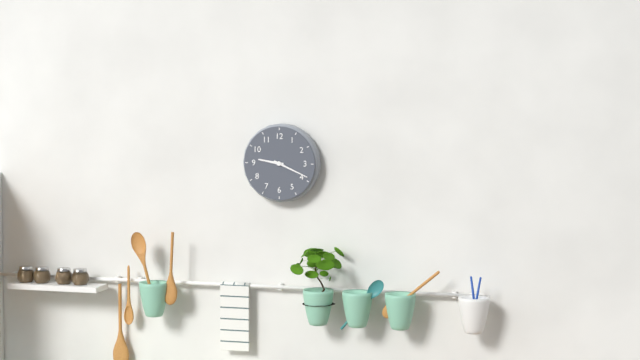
9h19
